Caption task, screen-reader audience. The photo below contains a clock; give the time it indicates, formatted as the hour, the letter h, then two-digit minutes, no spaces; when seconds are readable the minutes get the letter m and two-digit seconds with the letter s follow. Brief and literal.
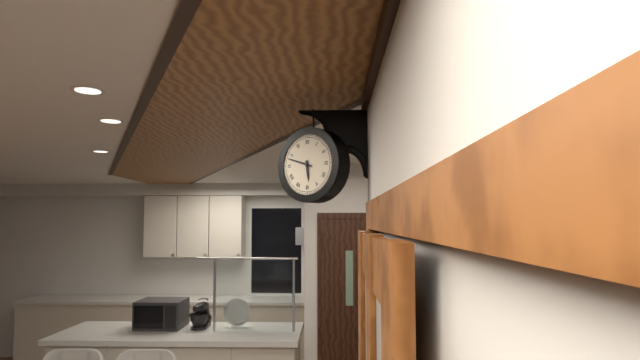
5h48
